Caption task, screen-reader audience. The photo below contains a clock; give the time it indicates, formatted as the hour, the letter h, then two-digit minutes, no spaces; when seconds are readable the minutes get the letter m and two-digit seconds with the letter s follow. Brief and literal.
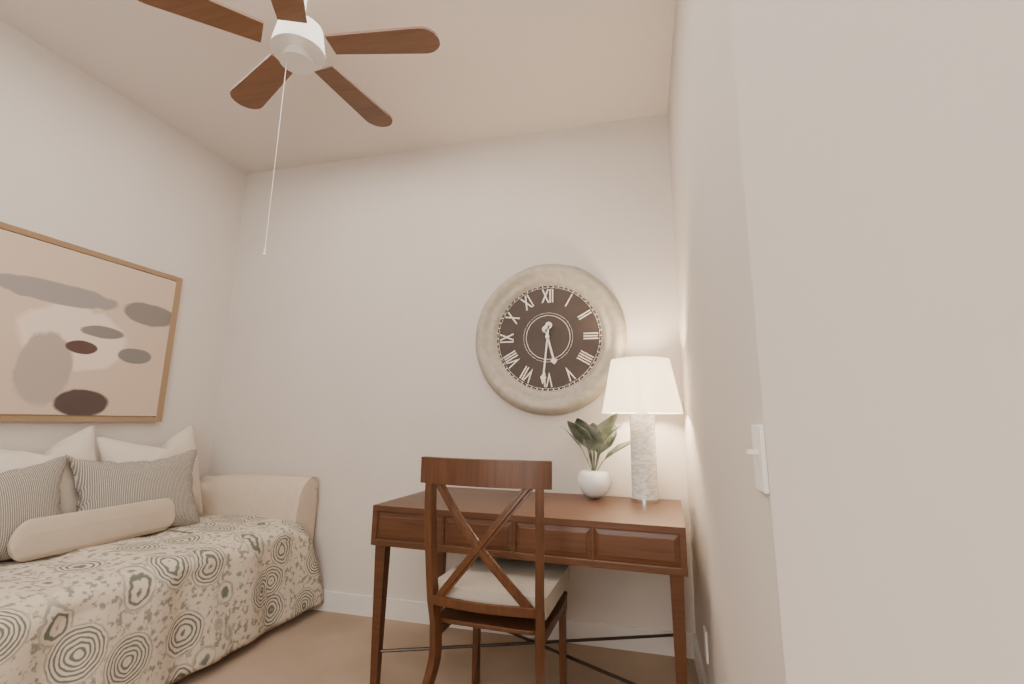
5h31
